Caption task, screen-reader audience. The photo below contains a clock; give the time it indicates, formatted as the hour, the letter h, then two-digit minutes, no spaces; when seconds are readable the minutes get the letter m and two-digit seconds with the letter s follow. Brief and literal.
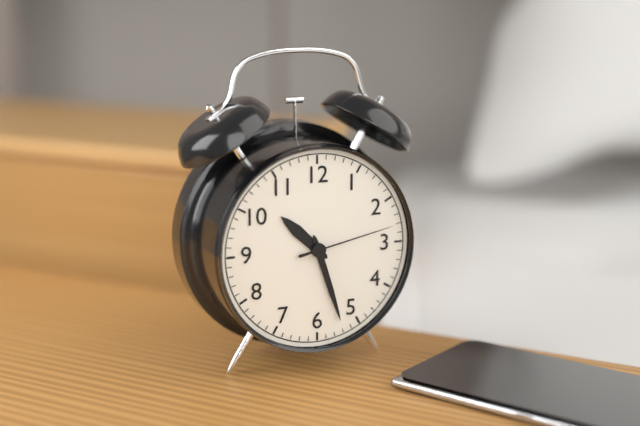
10h27m13s
